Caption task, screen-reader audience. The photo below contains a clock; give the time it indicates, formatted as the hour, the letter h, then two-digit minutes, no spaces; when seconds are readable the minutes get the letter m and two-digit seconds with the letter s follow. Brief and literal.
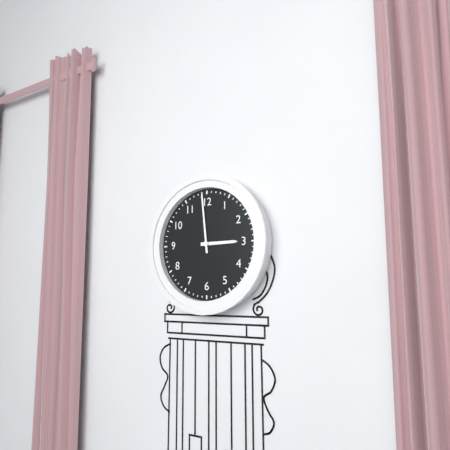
2h59
